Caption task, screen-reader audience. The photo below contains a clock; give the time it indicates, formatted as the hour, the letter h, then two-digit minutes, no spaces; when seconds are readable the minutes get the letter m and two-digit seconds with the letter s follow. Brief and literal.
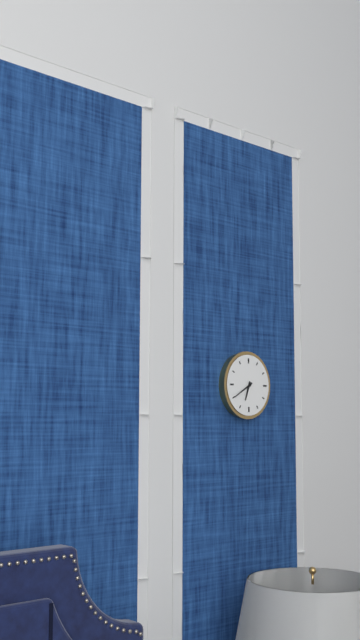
6h40
